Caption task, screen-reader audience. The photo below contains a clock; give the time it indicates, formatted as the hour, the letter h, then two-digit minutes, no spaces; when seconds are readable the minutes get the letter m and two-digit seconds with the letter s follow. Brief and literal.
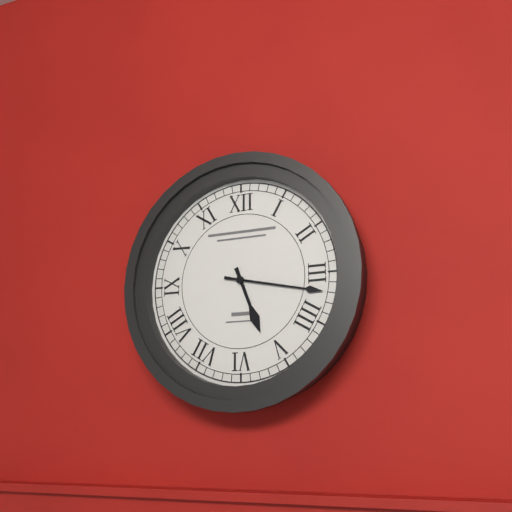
5h17
